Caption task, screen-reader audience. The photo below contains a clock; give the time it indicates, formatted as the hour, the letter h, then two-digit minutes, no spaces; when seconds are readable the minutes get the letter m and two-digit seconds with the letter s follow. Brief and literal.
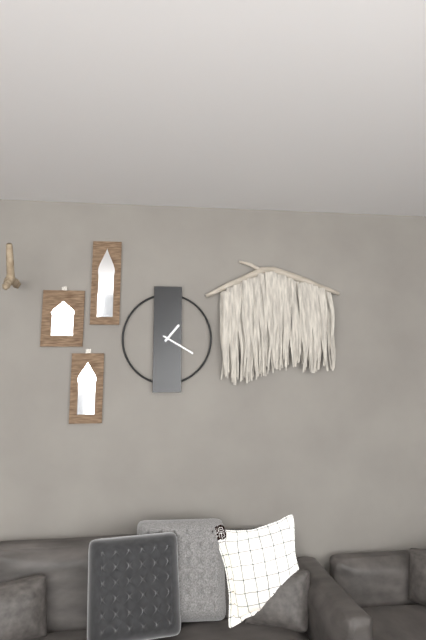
1h20
